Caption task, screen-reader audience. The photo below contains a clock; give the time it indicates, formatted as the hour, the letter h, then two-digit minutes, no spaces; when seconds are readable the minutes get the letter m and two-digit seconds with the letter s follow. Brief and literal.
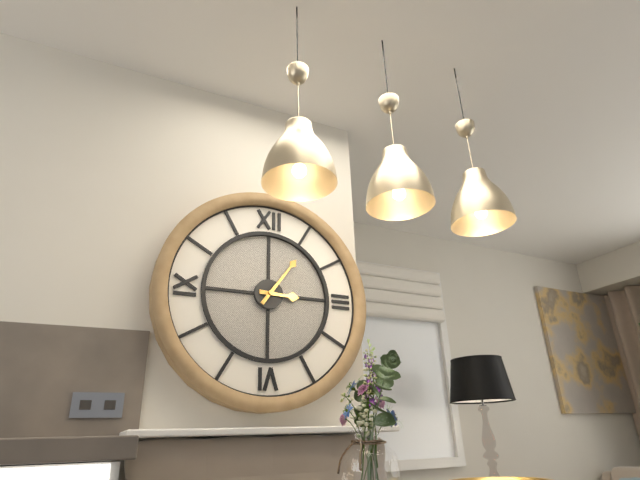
3h06
